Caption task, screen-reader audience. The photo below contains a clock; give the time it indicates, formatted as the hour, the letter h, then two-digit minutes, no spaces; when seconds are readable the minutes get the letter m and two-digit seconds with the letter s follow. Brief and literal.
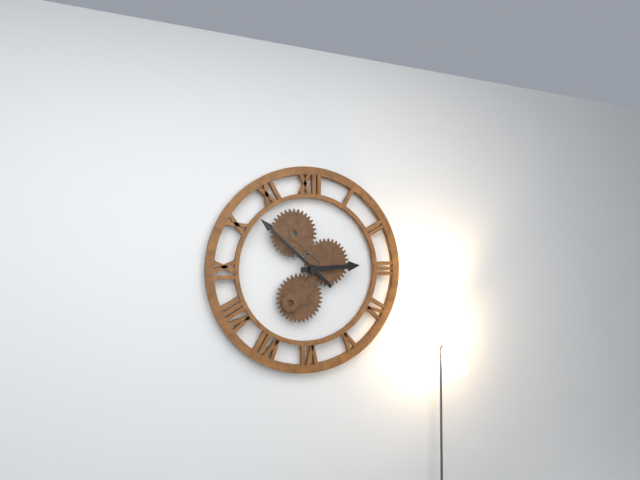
2h52
